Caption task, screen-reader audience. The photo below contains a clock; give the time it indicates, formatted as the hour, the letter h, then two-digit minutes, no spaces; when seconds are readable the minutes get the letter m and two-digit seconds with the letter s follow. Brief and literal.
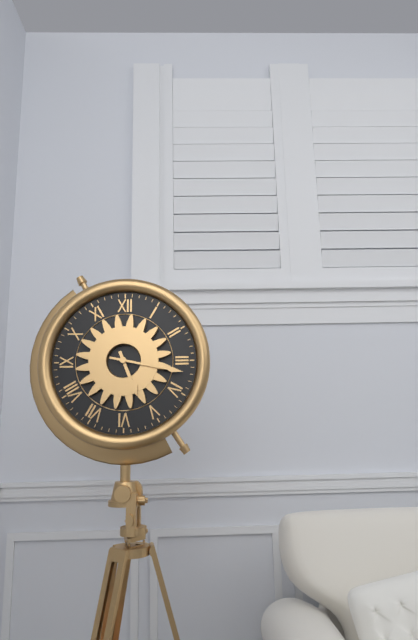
5h17
